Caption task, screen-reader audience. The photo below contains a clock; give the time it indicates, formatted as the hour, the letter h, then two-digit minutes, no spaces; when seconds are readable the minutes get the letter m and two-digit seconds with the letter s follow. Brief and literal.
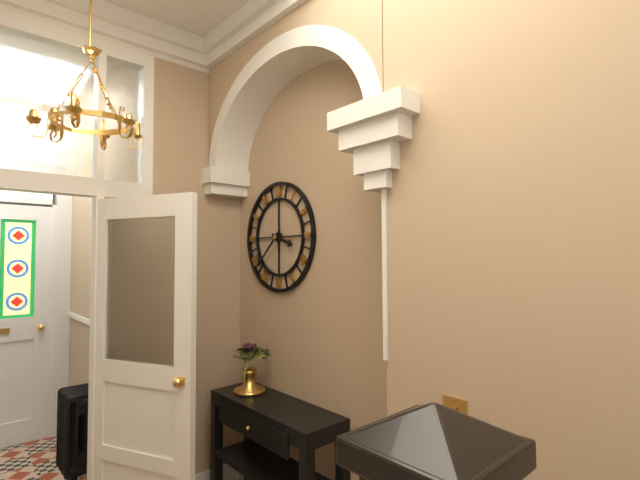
3h38
